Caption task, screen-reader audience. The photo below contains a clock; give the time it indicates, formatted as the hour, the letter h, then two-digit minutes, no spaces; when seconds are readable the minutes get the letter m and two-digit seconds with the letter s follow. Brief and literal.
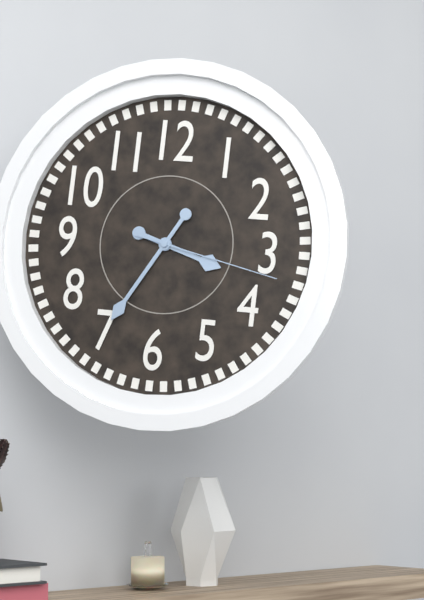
3h35m17s
